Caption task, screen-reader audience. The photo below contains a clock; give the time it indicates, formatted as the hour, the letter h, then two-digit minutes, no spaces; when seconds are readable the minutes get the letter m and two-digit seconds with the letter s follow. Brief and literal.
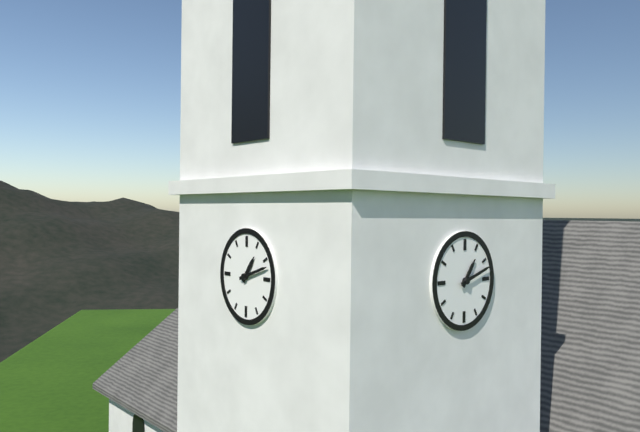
1h12
